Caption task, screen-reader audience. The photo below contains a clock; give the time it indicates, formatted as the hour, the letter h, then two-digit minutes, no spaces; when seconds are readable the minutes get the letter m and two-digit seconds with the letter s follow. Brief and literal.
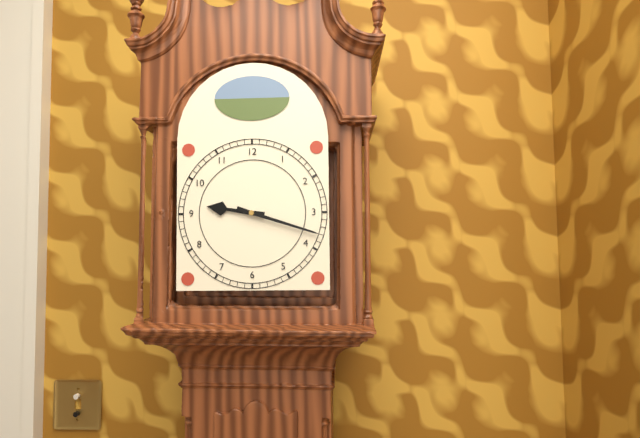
9h18
